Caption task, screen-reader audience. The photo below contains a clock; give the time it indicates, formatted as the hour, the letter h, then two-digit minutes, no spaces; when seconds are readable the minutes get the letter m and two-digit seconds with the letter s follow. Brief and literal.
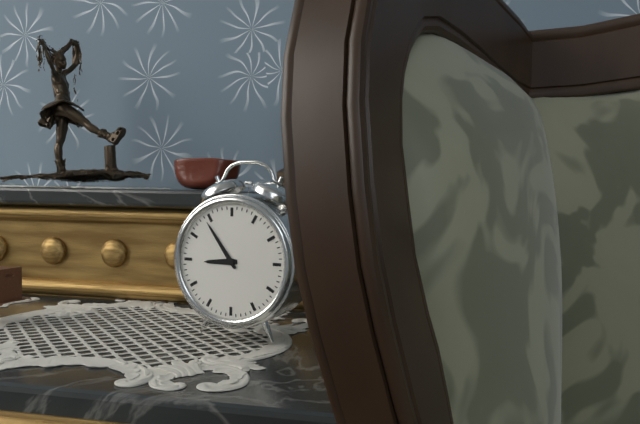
8h54
